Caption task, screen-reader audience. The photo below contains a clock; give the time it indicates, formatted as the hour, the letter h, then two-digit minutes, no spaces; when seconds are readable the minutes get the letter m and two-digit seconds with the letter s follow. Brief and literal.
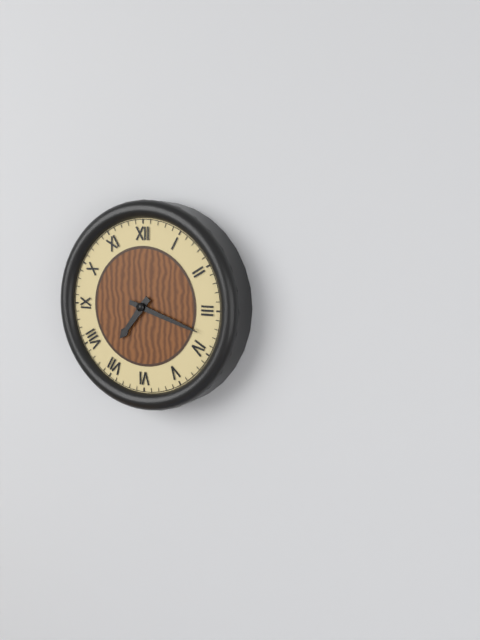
7h18
